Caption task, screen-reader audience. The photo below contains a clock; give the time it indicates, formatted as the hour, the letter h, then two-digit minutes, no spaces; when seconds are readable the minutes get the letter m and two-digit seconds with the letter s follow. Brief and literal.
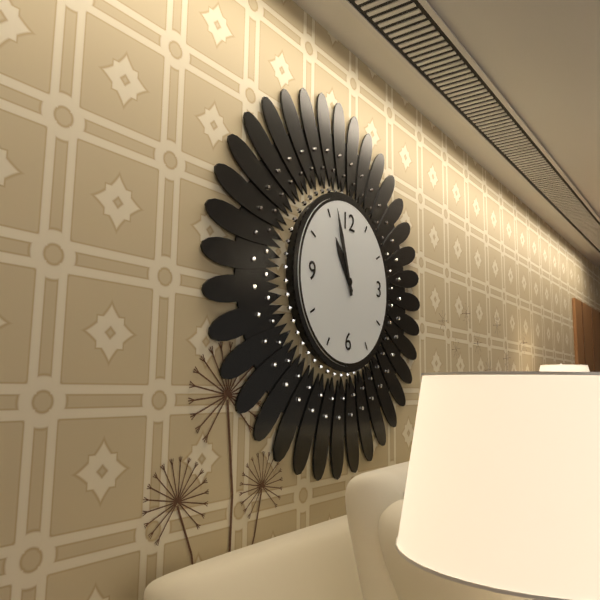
10h57
